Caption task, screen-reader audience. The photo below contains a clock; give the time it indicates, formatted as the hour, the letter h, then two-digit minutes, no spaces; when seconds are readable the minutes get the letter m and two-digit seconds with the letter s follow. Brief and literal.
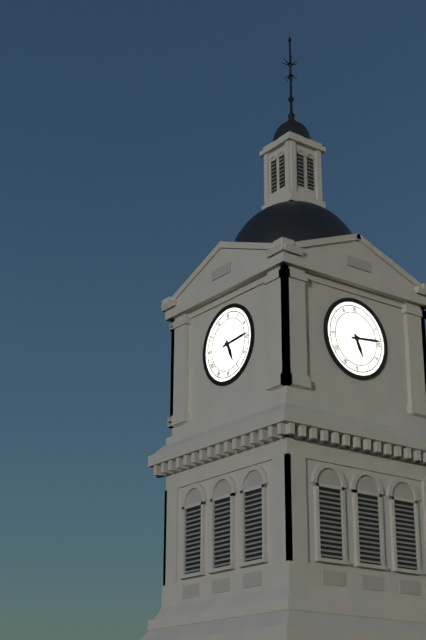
5h14
